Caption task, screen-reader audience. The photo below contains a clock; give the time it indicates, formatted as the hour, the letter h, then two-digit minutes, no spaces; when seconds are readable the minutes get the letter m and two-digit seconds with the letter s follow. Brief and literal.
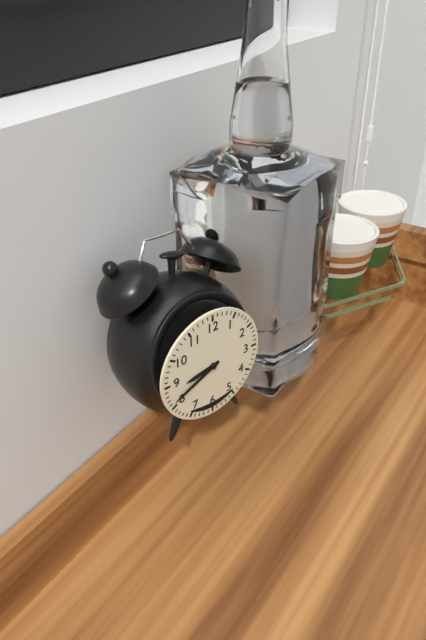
8h41
